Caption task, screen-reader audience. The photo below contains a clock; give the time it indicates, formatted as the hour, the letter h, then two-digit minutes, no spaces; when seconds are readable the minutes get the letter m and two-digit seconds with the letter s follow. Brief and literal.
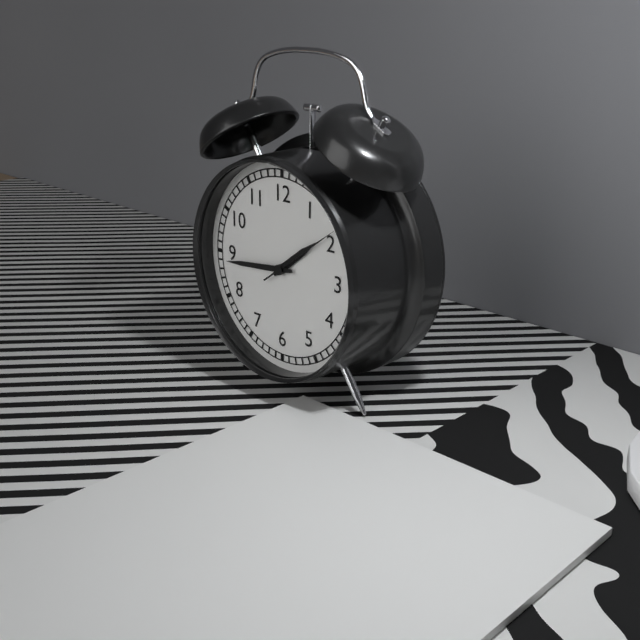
1h44m09s
